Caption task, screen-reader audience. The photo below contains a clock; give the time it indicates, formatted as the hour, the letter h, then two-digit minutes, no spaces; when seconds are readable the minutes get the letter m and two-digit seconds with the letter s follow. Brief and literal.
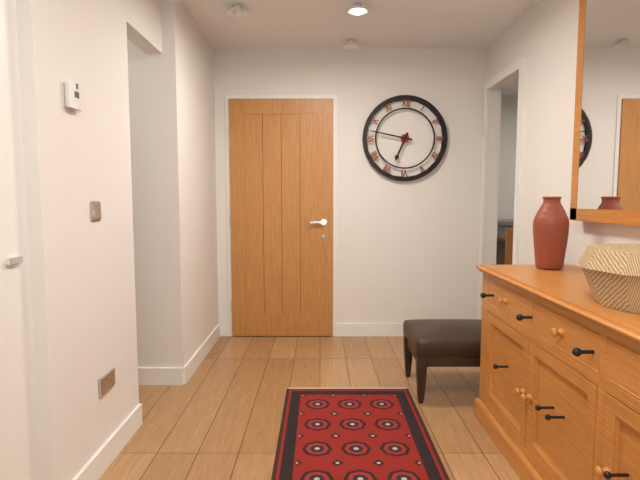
6h47
